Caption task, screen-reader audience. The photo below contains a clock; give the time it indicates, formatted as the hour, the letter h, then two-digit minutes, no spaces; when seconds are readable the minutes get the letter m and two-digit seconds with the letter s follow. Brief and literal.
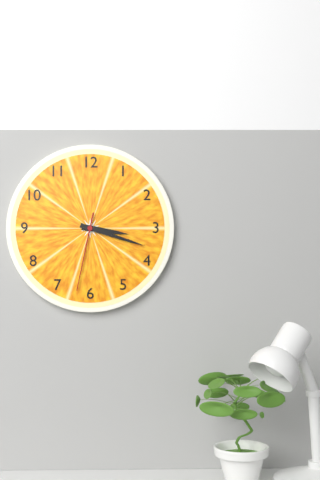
3h18m32s
